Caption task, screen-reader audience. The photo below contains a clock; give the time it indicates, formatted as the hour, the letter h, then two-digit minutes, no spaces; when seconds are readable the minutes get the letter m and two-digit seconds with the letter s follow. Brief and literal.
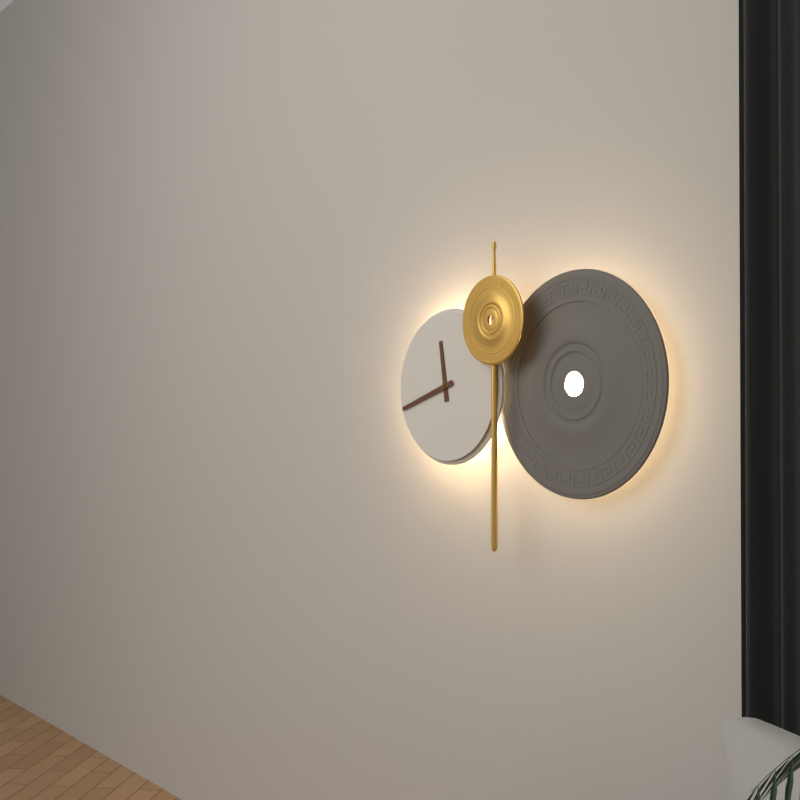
11h42
